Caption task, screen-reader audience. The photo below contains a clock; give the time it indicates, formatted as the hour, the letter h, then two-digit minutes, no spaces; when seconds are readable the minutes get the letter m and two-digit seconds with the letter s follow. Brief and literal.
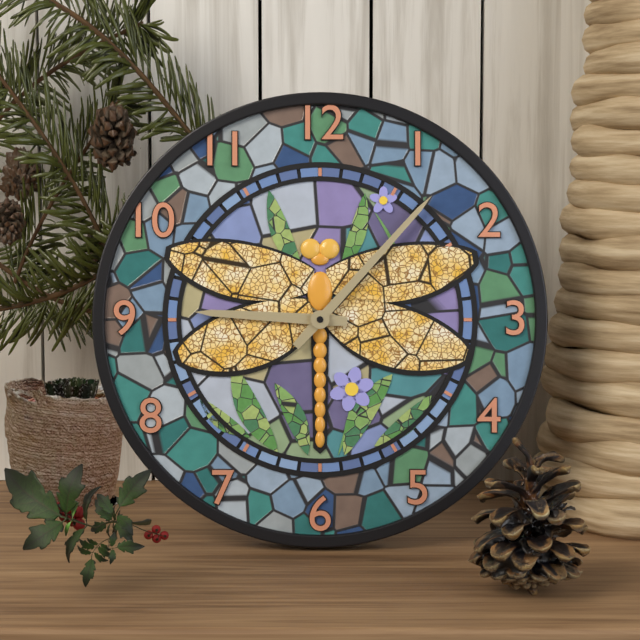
9h07
